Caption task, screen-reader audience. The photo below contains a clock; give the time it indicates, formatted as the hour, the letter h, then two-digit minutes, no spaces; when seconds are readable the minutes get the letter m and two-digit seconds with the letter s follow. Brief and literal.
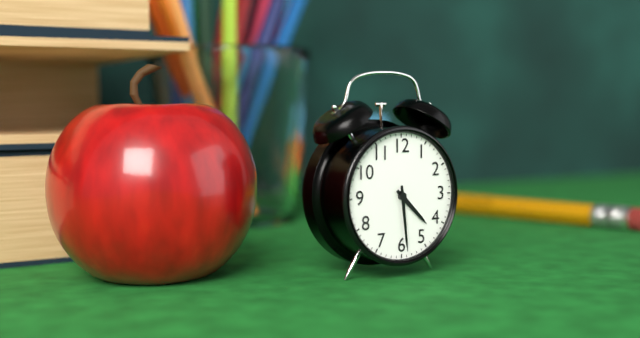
4h29
